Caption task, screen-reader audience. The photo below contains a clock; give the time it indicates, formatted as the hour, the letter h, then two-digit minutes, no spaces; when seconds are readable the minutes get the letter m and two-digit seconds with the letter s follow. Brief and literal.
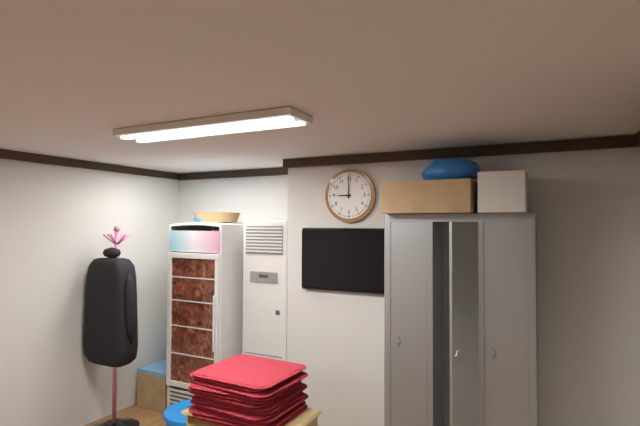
9h00
